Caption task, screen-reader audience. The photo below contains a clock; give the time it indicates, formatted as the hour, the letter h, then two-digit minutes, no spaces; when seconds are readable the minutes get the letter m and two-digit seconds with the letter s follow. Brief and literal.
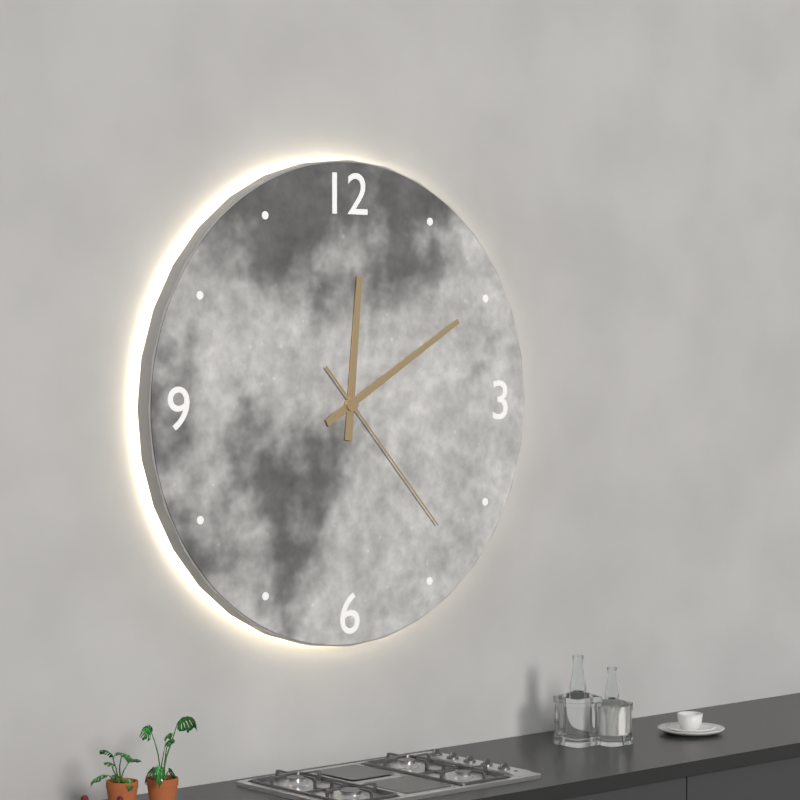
12h10m23s
